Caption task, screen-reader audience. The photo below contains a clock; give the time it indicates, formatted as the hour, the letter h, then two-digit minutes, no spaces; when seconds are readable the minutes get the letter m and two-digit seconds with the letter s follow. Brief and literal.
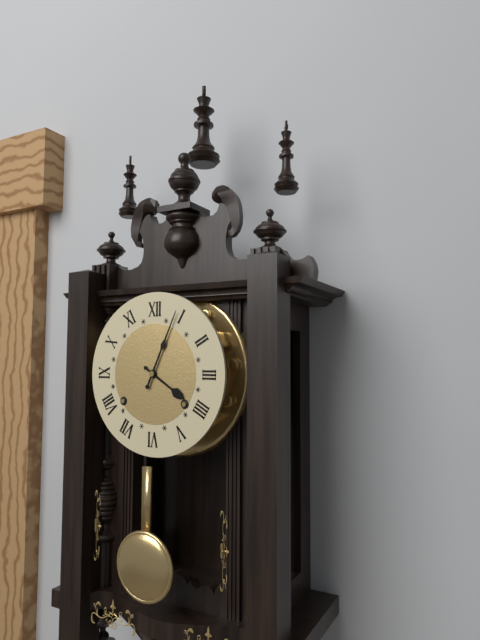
4h04
